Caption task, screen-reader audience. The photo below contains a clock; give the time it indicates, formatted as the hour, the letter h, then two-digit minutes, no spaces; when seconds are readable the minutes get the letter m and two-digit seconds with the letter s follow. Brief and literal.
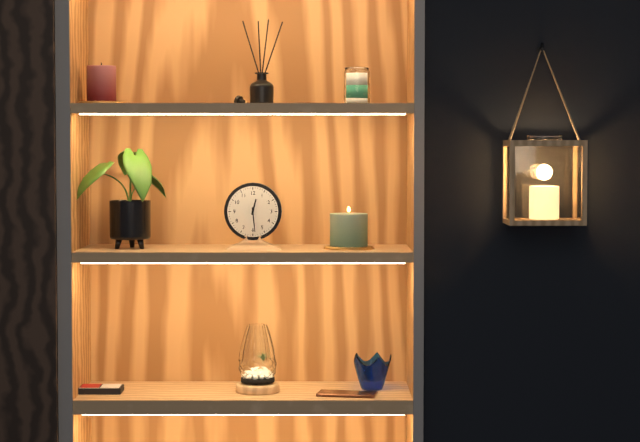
12h29
